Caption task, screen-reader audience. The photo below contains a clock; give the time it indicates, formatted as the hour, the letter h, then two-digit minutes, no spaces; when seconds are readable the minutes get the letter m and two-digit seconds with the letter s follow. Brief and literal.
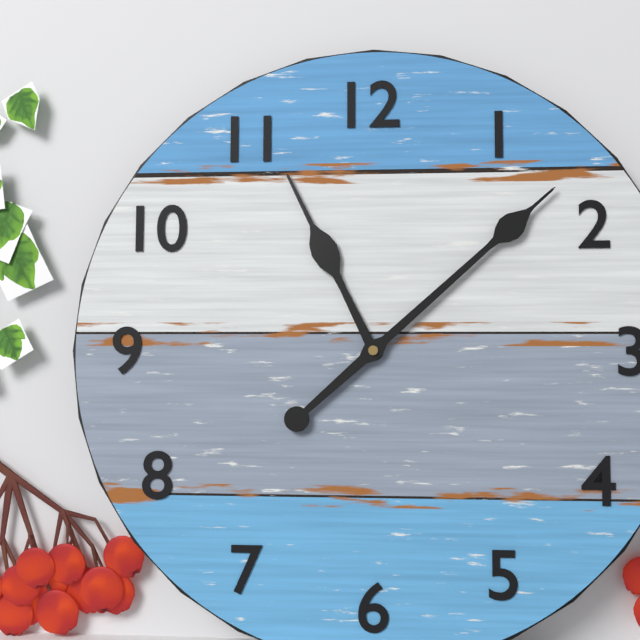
11h08
